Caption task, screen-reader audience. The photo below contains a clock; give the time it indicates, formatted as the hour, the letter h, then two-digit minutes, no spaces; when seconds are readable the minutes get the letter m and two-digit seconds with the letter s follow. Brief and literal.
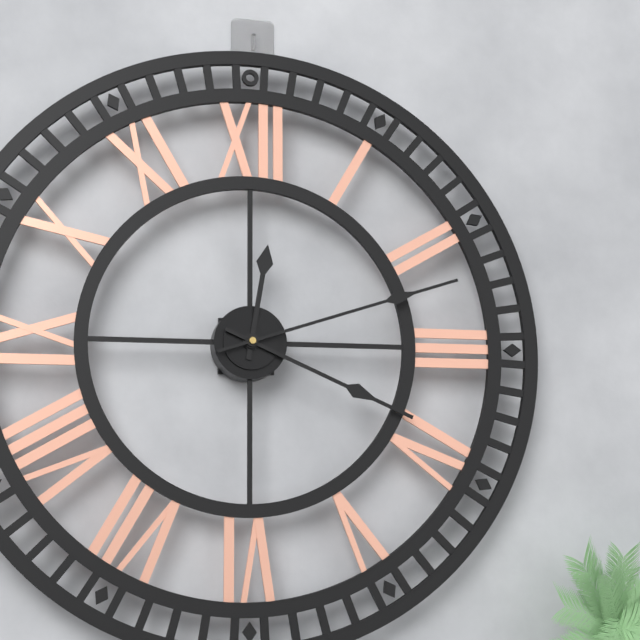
12h19m12s
